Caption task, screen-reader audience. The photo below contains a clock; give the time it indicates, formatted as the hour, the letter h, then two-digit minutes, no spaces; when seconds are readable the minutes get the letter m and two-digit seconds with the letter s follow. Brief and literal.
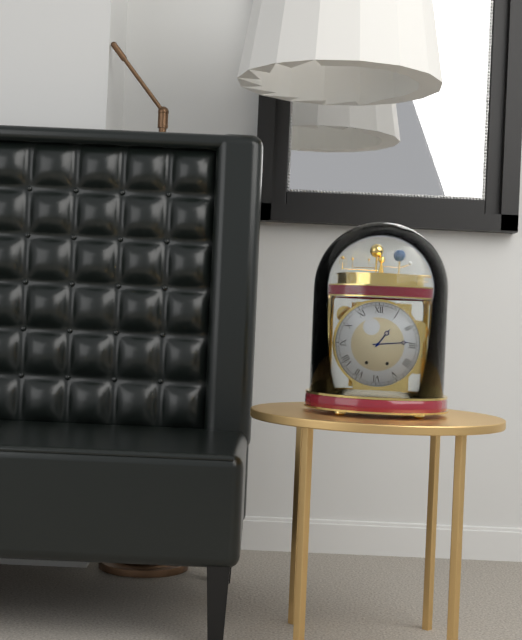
1h14
